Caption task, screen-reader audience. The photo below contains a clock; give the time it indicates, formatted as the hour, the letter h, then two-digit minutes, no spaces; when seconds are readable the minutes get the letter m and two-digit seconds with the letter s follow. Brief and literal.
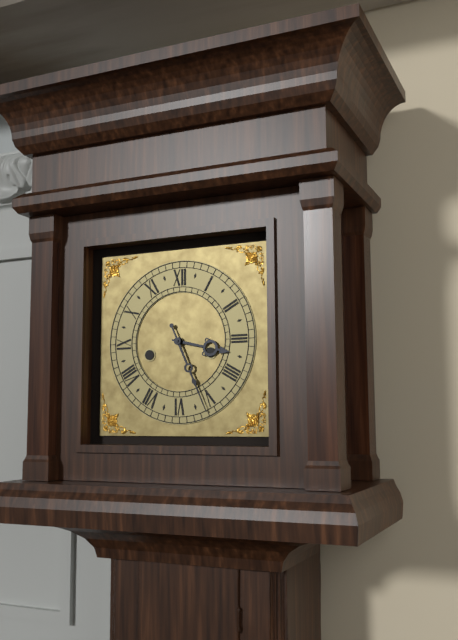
3h26
